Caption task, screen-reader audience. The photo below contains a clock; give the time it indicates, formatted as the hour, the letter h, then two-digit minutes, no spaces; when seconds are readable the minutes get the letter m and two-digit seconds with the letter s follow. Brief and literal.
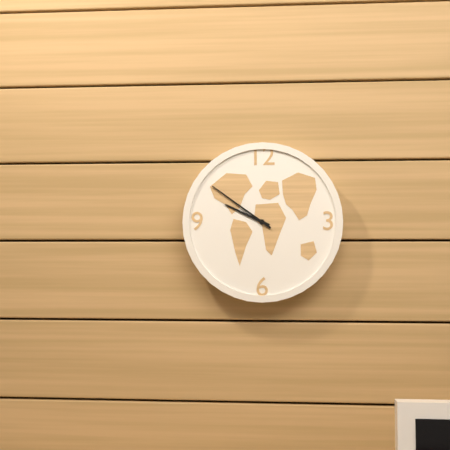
9h51
